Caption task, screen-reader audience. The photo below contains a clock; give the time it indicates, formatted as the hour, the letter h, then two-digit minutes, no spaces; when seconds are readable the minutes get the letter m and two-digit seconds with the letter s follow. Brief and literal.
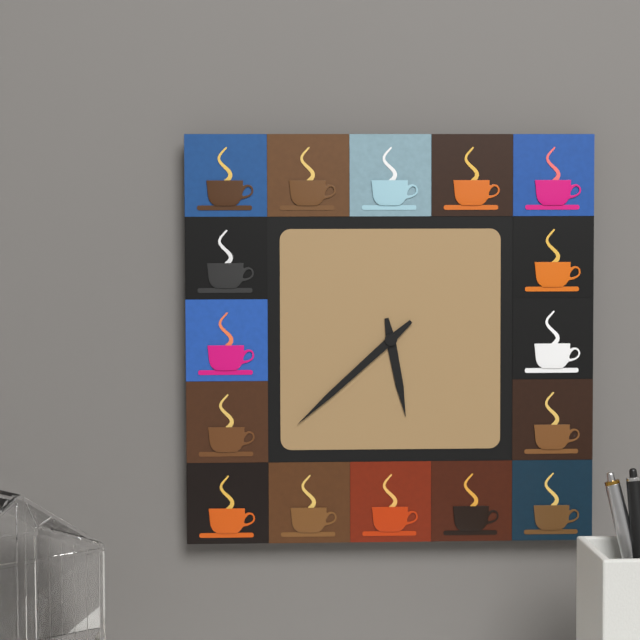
5h38
